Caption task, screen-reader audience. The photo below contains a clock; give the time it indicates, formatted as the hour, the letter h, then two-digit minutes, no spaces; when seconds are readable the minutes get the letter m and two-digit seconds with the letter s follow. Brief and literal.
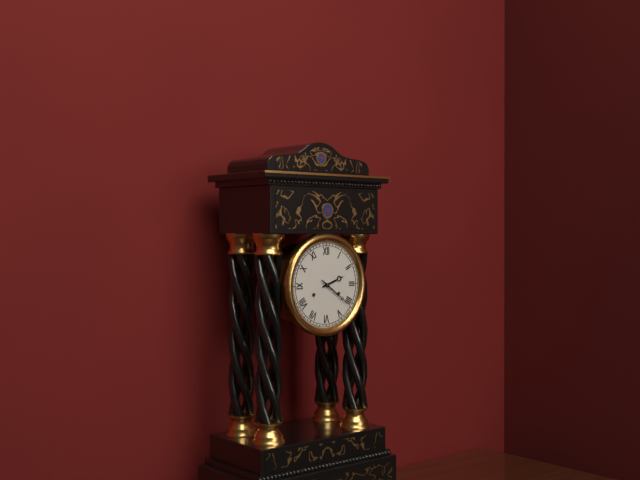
2h21
